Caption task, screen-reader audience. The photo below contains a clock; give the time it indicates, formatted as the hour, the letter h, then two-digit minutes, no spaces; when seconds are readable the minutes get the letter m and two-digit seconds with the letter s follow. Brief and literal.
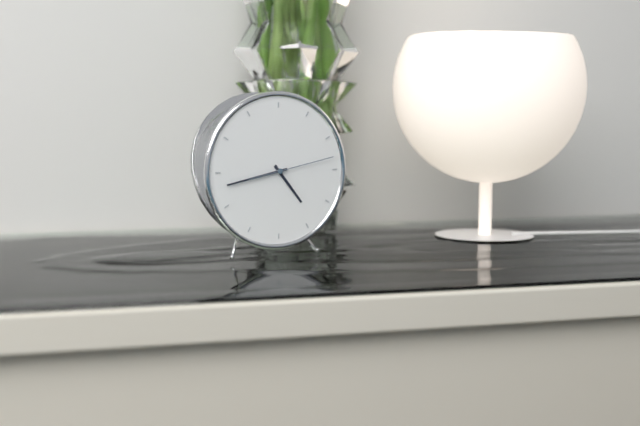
4h43m13s
